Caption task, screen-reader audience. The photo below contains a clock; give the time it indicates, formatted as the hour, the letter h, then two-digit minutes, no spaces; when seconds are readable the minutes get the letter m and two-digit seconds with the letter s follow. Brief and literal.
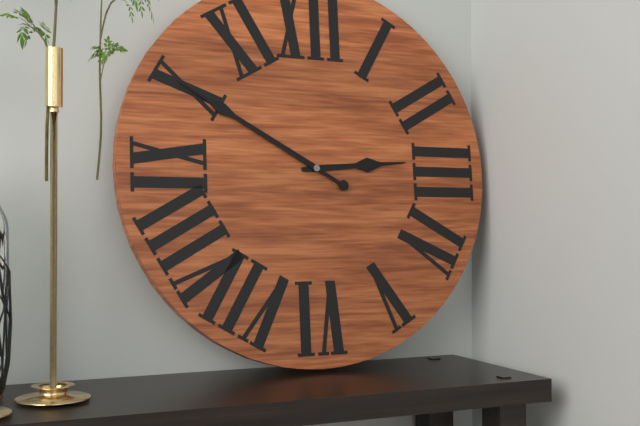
2h50
